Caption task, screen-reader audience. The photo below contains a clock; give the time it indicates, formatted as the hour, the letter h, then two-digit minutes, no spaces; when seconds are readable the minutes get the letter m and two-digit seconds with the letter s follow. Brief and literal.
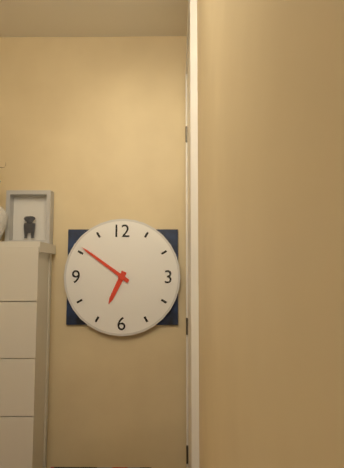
6h51
